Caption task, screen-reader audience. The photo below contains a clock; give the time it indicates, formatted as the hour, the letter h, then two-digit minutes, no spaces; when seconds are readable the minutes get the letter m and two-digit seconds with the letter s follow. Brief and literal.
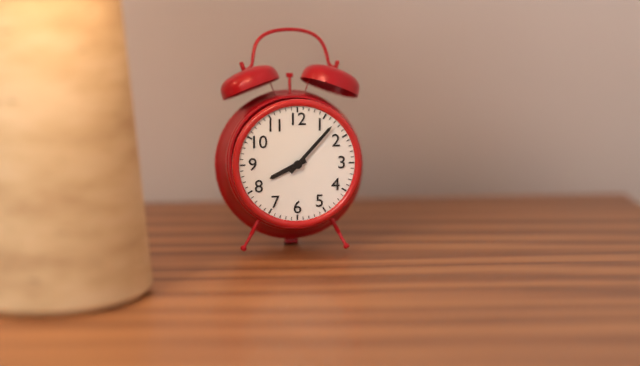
8h07
